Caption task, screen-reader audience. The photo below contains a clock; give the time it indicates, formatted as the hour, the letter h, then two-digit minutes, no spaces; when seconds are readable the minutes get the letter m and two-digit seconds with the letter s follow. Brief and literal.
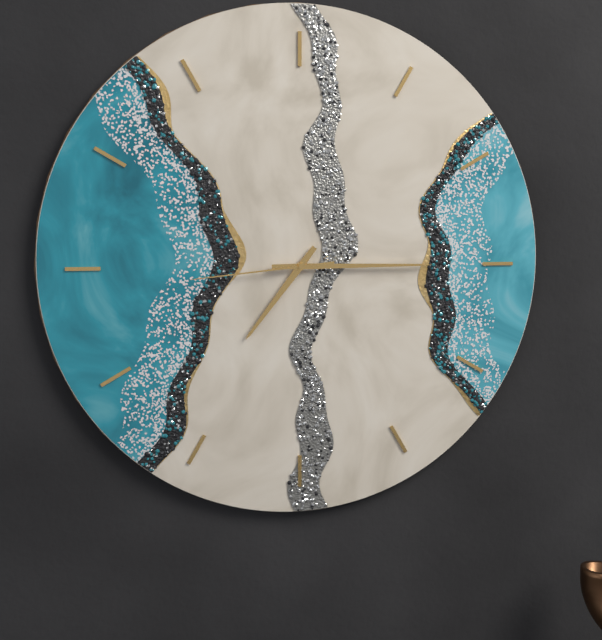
7h15m44s
